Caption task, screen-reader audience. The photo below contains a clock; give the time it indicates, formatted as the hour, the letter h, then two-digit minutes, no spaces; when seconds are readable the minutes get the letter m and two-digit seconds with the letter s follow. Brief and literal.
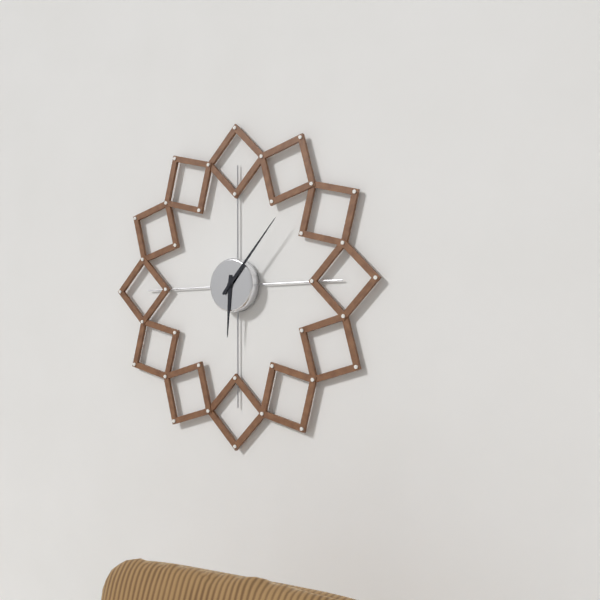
6h07
